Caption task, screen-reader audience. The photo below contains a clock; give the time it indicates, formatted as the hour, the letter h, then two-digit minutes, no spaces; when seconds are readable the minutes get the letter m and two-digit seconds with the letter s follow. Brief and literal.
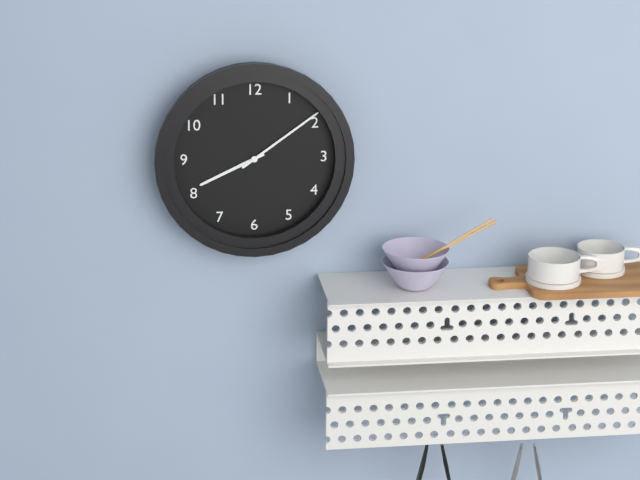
8h09
